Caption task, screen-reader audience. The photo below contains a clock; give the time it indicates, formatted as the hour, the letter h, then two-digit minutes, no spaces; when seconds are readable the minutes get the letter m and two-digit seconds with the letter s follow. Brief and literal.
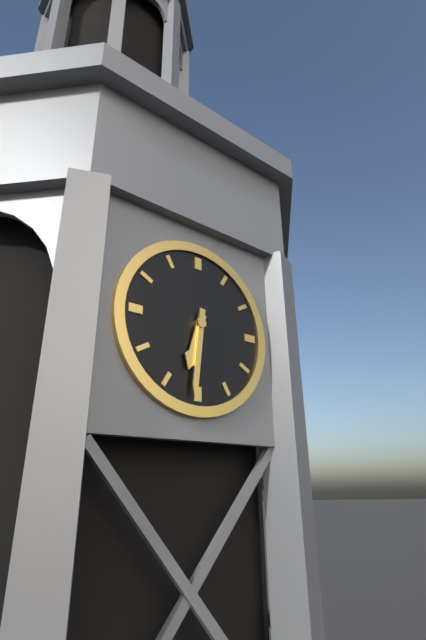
6h31
